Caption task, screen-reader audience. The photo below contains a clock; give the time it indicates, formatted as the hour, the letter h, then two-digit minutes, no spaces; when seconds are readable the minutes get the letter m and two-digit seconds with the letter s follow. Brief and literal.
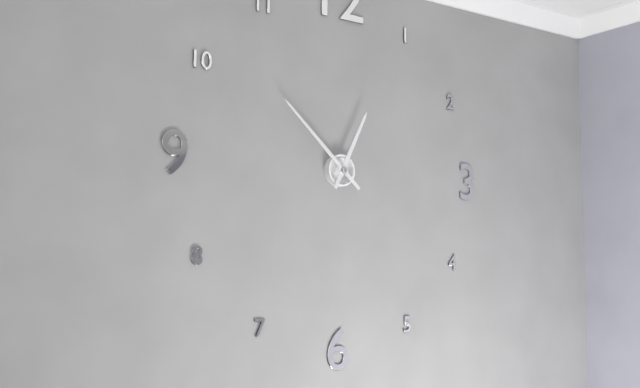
12h52
